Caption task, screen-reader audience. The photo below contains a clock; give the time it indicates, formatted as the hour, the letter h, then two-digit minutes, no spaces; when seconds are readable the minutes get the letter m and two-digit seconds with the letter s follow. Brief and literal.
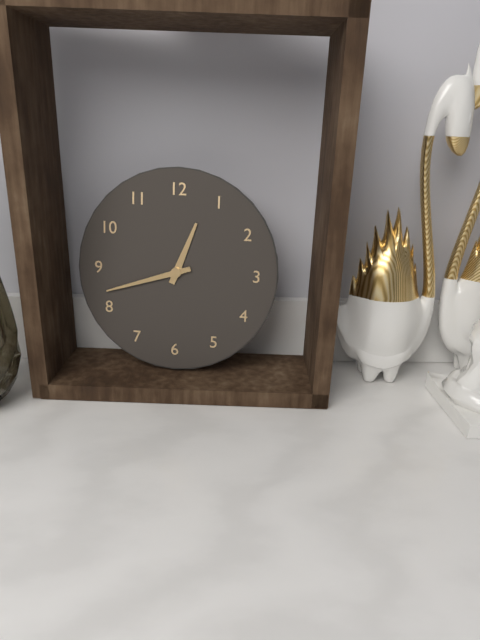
12h42
